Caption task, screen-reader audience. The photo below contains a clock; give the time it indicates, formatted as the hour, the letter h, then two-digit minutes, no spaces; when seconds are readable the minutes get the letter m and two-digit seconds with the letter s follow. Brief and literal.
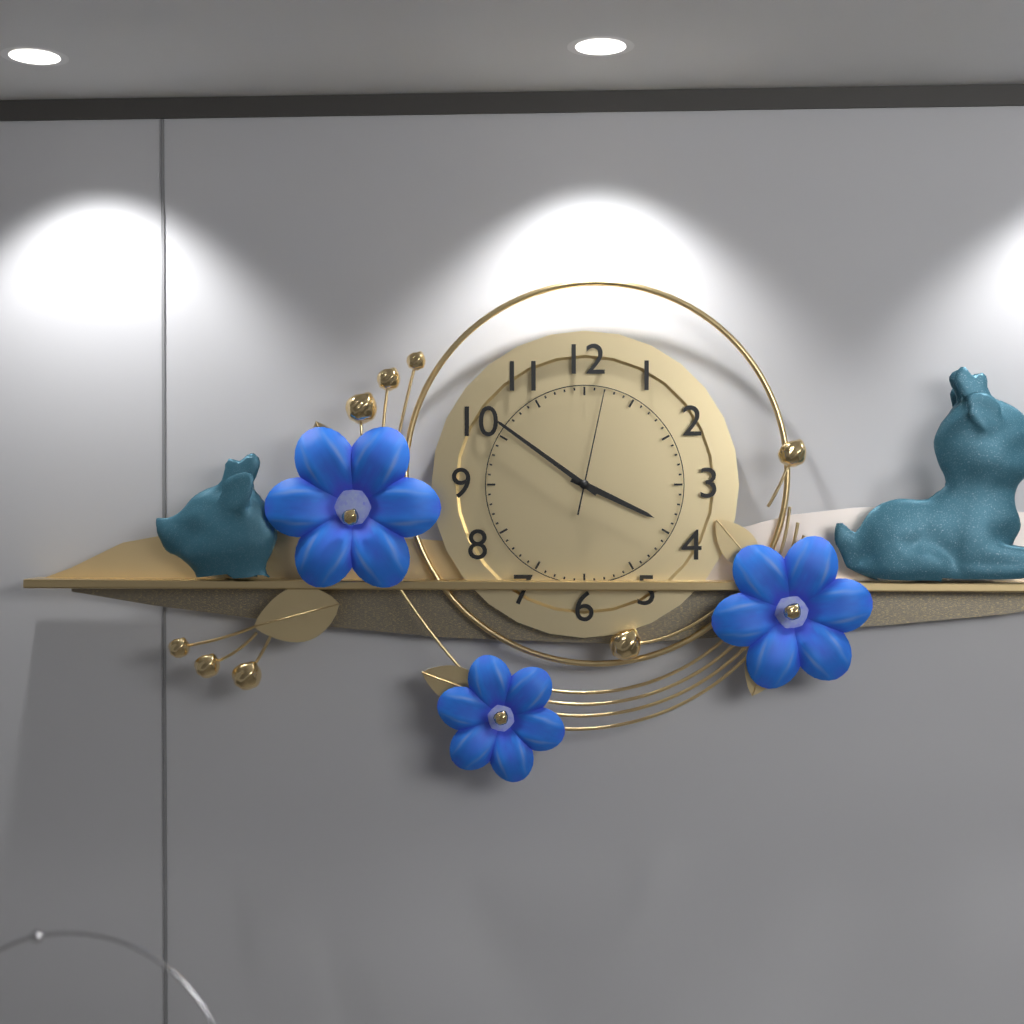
3h51m02s
